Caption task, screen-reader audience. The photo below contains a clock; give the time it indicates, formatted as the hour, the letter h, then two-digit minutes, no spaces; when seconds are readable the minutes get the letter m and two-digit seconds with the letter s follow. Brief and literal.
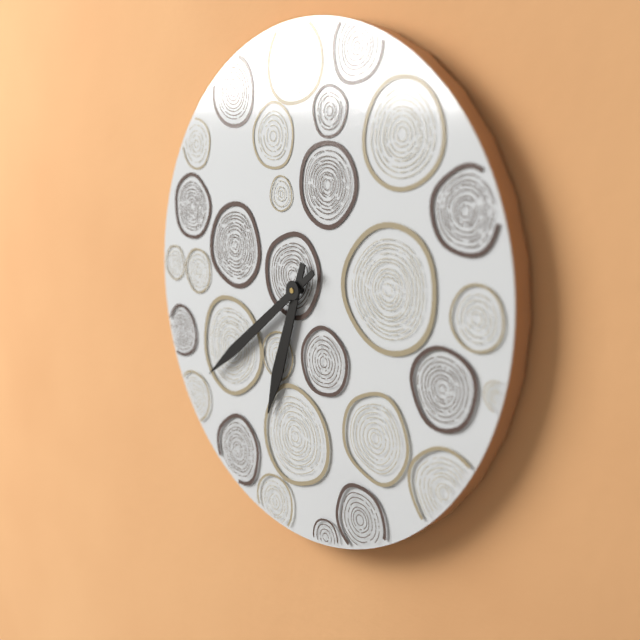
6h39
